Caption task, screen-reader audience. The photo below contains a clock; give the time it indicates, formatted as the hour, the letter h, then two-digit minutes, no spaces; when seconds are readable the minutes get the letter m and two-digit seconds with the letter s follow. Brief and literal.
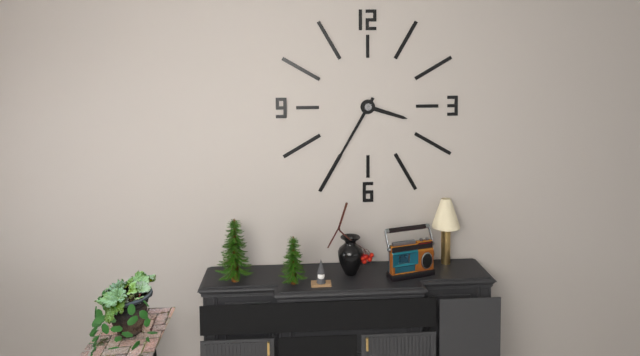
3h35
